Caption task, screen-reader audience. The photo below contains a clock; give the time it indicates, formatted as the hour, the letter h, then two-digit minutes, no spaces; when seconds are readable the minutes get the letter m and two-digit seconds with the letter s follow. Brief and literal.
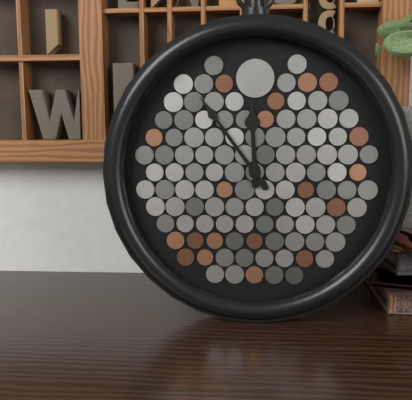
11h54
